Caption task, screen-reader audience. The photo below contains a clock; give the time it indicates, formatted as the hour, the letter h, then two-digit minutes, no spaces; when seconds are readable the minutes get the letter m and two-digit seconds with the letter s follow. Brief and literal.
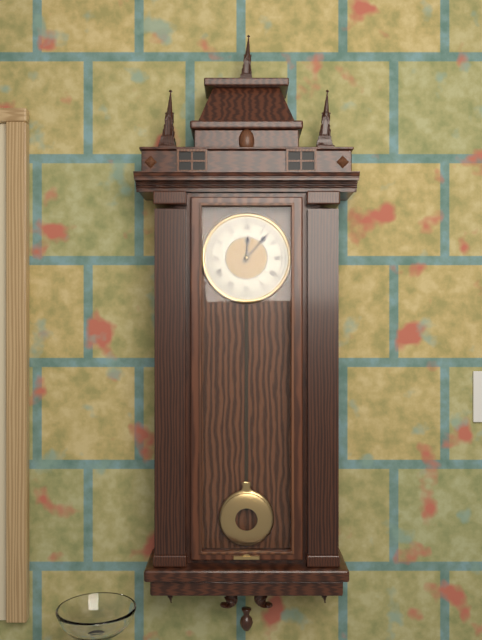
12h07
